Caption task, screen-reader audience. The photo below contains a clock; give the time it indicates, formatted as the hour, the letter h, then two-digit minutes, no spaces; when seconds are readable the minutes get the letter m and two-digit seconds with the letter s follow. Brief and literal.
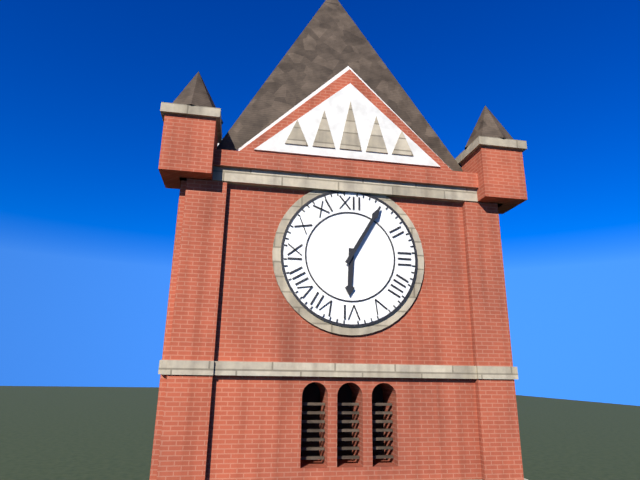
6h05
